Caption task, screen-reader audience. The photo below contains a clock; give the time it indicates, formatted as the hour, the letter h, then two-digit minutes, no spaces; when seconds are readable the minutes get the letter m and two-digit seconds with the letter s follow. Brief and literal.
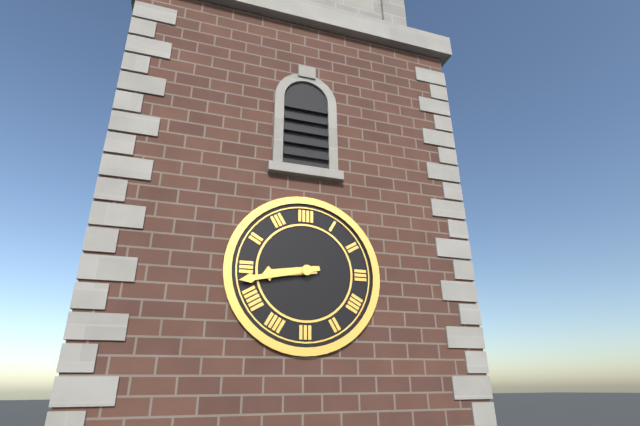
8h43
